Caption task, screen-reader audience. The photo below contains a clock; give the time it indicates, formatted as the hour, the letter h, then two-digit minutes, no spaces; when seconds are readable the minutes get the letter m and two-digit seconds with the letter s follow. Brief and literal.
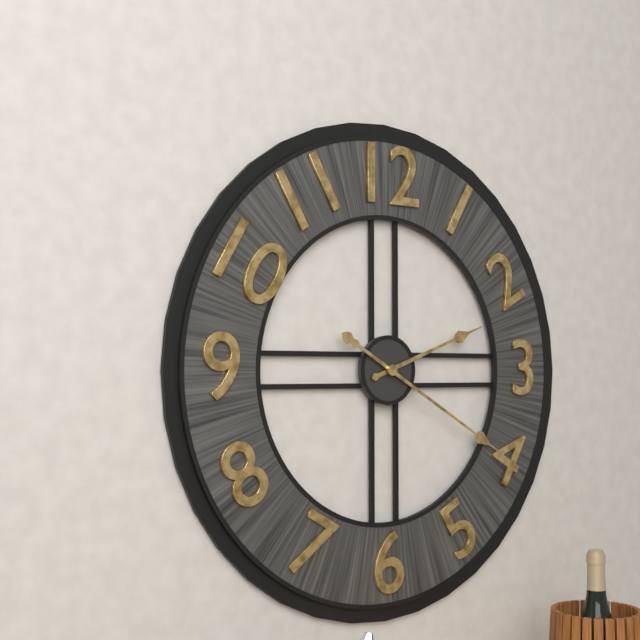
2h20
